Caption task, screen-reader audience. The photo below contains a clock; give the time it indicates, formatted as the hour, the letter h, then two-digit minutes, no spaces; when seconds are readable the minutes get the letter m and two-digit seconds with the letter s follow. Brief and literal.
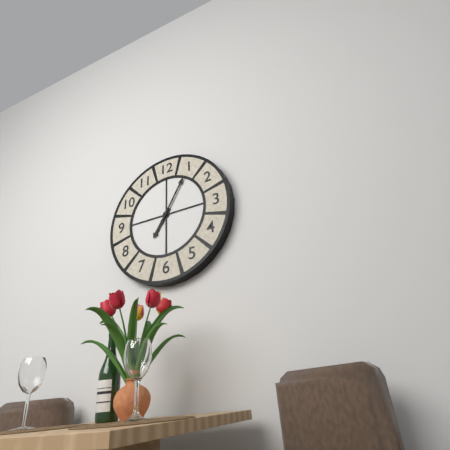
7h05
